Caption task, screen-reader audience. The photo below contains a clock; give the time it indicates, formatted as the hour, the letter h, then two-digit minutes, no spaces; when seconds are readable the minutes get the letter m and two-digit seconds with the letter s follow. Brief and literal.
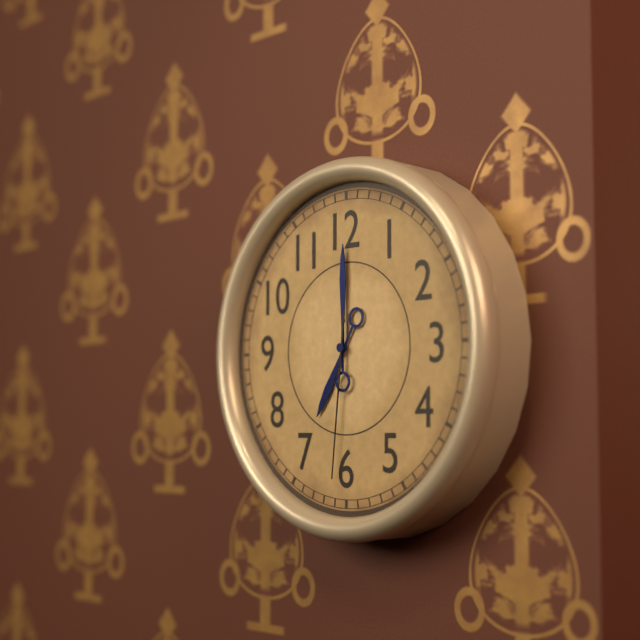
7h00m31s
